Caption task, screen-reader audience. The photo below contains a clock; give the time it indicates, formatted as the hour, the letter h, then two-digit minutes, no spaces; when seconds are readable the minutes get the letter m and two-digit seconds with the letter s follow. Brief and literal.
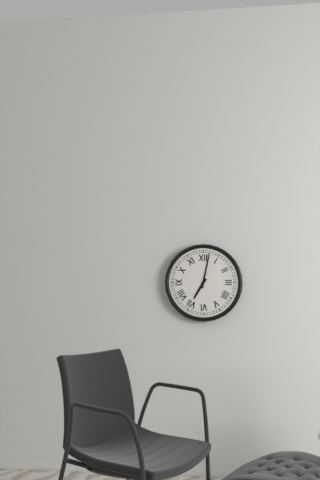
7h02
